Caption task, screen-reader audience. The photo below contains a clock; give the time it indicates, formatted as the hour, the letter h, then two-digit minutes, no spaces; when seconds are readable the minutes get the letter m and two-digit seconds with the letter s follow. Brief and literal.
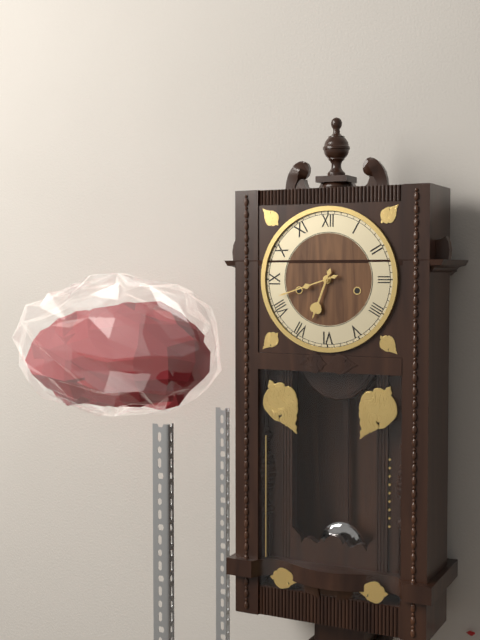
6h42
